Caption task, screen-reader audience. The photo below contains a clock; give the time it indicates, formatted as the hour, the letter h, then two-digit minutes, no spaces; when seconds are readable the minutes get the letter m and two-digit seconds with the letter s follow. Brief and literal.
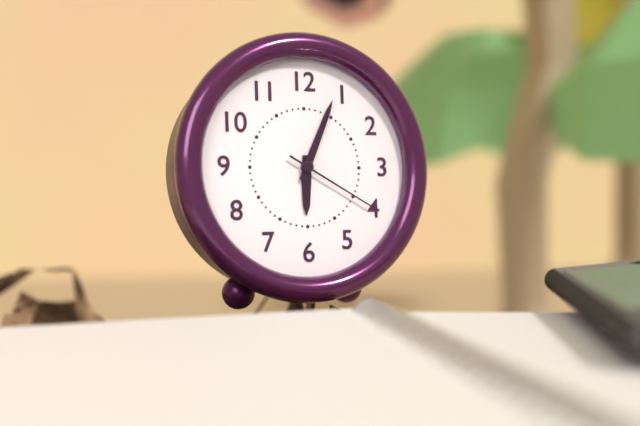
6h04m20s
